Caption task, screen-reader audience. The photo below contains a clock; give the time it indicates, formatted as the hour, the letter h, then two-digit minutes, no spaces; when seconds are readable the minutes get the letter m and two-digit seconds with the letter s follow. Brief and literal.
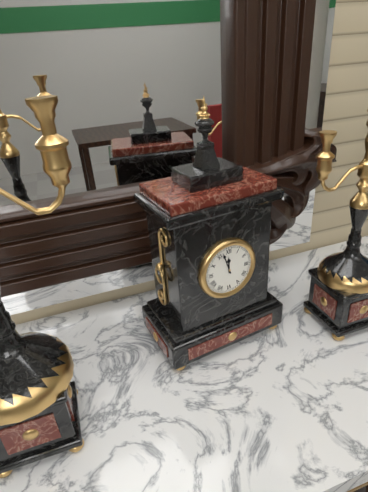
11h57
